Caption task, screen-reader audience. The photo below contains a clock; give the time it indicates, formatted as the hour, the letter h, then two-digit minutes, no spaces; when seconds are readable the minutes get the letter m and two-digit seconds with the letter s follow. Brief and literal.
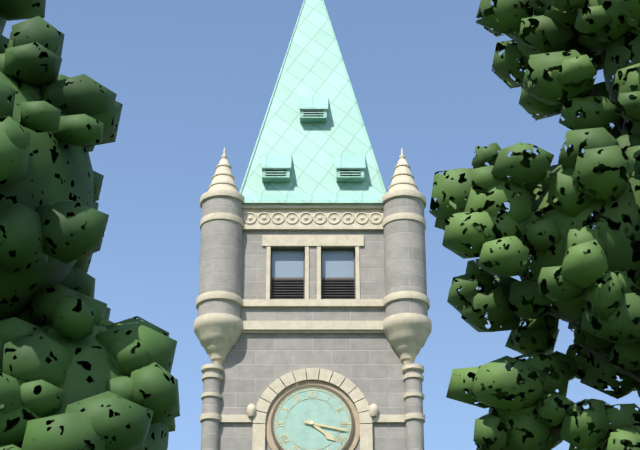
4h17
